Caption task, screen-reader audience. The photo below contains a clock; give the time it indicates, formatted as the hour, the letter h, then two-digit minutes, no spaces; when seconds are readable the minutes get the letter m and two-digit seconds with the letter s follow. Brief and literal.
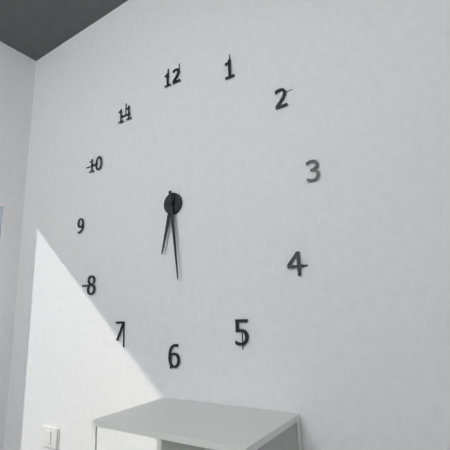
6h29
